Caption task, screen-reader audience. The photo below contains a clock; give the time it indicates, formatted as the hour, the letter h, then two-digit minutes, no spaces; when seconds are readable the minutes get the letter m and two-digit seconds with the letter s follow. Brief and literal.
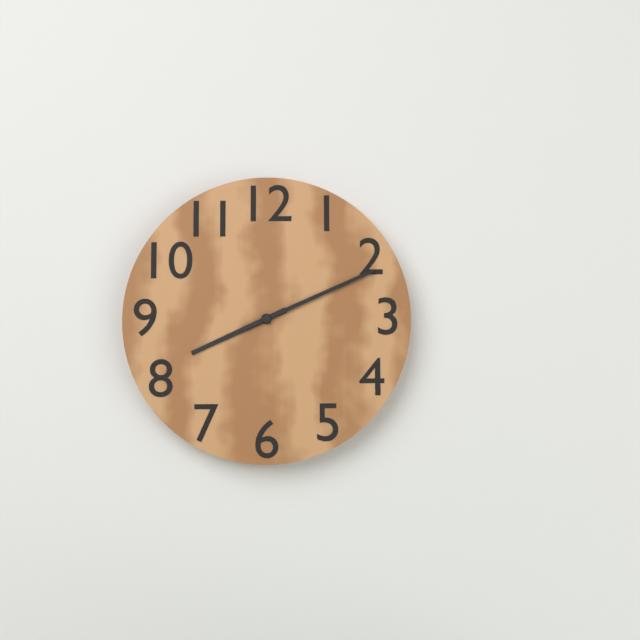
8h11
